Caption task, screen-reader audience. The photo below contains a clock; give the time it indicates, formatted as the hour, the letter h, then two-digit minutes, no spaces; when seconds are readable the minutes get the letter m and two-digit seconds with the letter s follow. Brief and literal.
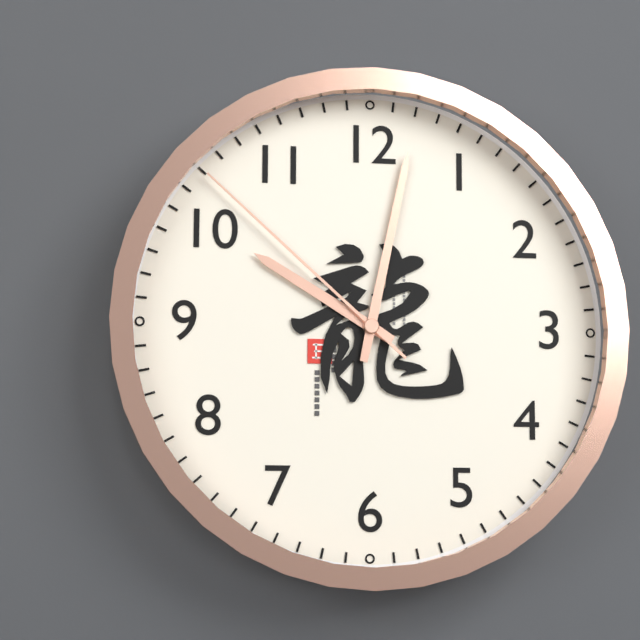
10h02m52s
